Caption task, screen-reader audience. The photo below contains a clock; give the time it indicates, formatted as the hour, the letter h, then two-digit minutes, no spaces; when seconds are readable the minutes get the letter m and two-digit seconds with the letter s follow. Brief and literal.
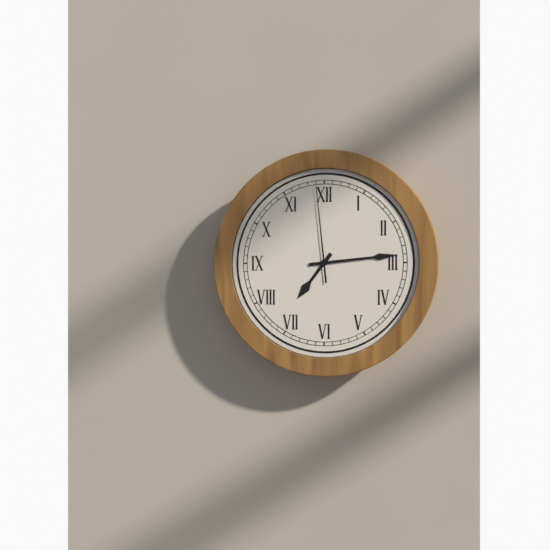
7h14m59s
